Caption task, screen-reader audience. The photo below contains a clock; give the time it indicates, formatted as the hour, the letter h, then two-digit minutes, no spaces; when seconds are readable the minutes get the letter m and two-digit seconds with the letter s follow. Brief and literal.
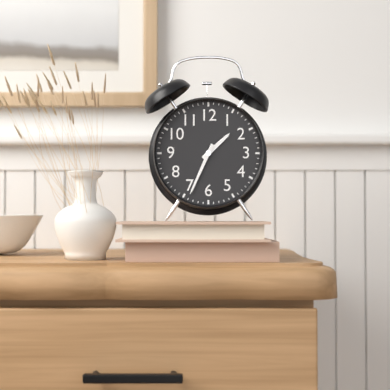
1h34
